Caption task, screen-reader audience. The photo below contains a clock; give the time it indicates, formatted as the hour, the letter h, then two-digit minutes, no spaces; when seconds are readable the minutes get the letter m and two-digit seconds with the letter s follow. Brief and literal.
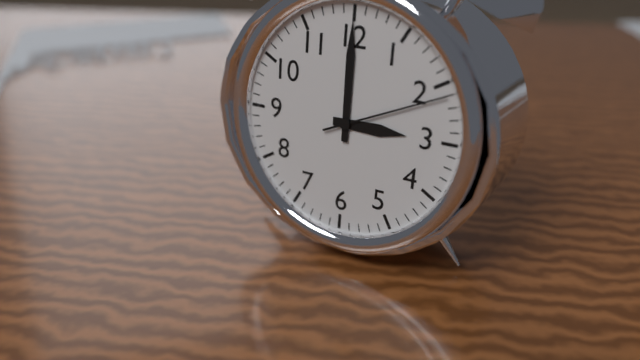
3h00m11s
